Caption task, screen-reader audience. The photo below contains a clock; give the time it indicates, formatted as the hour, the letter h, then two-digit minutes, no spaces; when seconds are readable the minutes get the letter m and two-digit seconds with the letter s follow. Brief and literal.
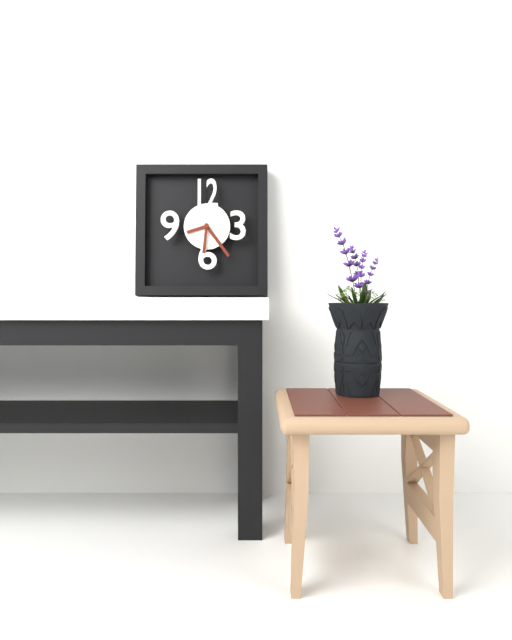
8h24
